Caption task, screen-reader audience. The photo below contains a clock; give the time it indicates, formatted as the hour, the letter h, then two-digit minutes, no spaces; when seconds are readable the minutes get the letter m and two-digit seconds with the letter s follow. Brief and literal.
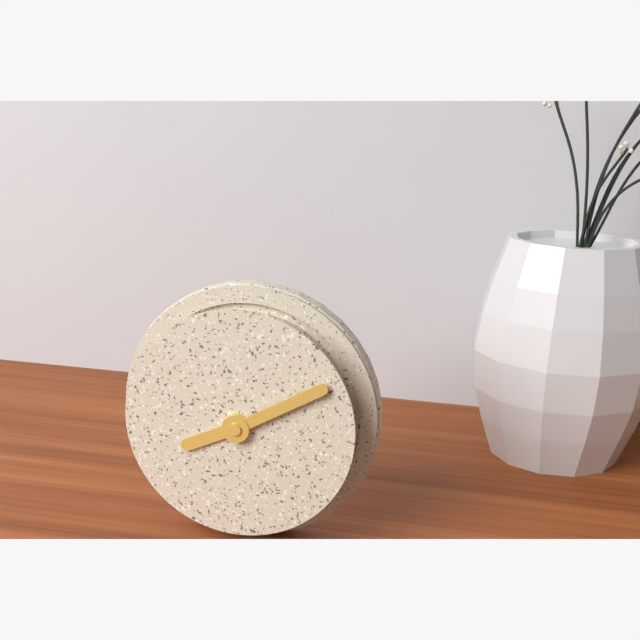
8h10
